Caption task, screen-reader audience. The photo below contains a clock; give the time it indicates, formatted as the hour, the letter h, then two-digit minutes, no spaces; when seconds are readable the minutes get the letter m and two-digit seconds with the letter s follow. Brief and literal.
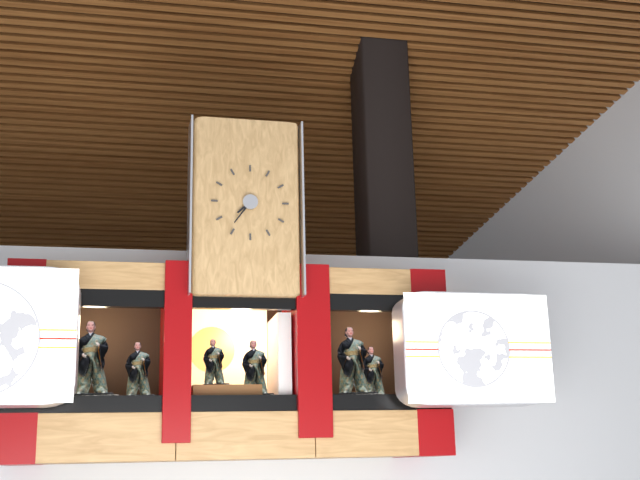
7h36
